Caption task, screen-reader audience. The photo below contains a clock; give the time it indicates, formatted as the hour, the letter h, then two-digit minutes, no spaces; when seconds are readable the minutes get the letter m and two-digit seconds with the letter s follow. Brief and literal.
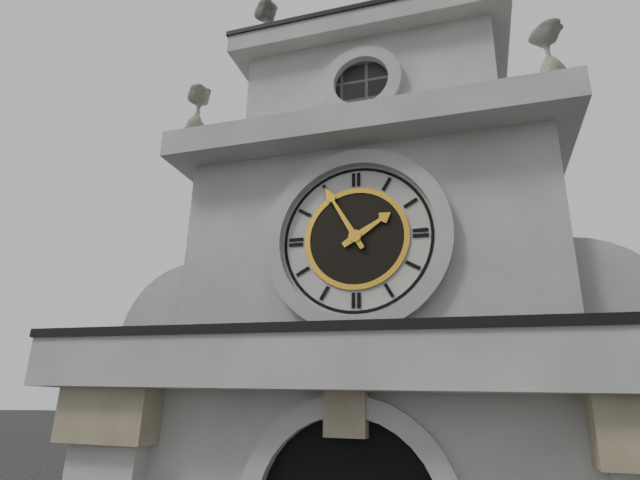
1h55
